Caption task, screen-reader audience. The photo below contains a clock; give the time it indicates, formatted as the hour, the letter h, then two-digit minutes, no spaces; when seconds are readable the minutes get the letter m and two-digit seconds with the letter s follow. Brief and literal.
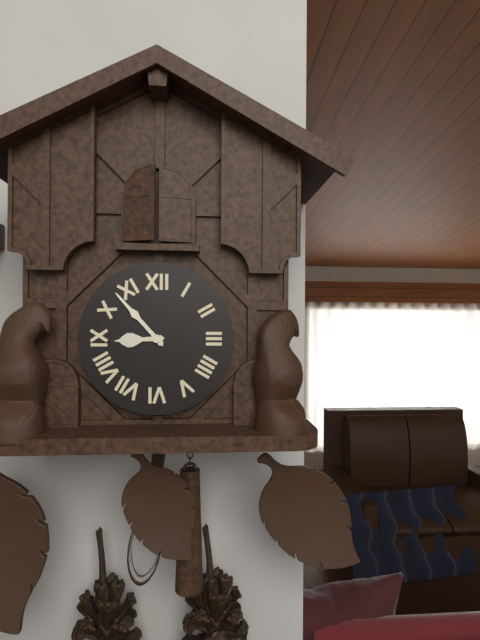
8h53
